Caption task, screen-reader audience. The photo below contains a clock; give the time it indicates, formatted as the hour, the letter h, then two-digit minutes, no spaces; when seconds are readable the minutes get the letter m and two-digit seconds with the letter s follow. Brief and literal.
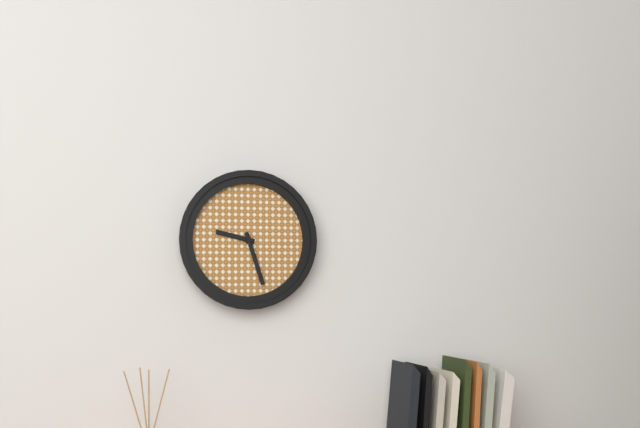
9h27
